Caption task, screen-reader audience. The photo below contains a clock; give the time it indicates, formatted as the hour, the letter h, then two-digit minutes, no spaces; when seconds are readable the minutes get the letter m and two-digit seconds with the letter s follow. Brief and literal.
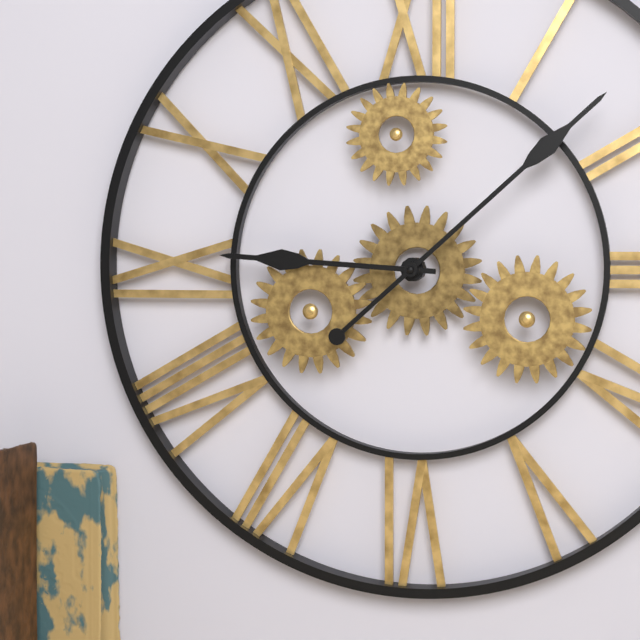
9h08
